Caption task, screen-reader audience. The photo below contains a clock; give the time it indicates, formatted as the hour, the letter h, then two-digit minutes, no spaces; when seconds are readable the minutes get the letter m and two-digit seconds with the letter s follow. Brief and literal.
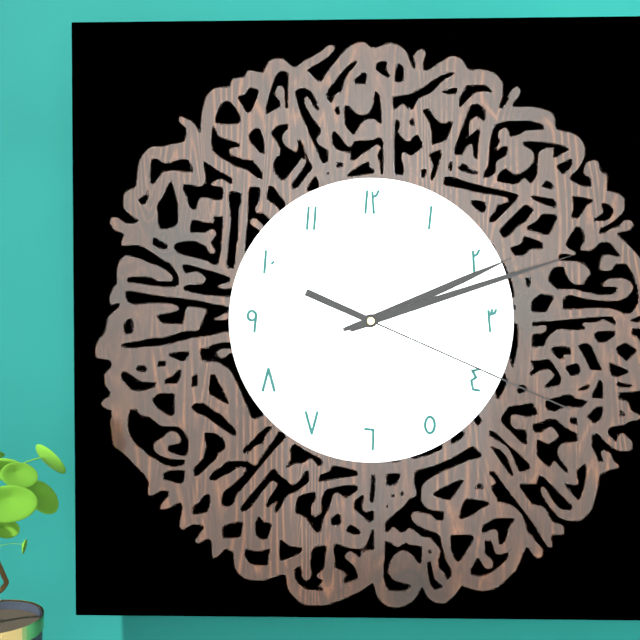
2h12m19s
